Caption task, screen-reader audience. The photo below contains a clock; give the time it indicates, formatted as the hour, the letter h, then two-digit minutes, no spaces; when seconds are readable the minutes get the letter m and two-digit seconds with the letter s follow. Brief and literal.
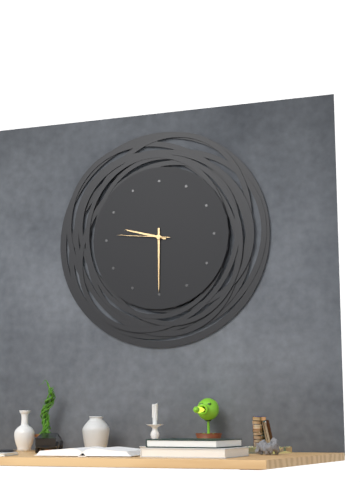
9h30m46s
